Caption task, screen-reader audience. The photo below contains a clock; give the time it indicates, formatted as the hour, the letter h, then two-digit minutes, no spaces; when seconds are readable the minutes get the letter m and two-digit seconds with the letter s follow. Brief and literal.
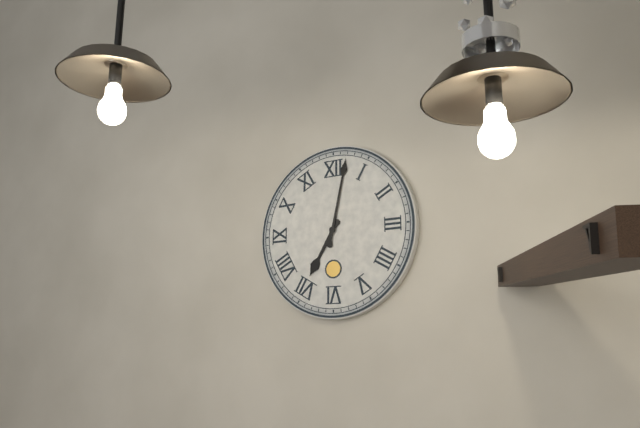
7h02
